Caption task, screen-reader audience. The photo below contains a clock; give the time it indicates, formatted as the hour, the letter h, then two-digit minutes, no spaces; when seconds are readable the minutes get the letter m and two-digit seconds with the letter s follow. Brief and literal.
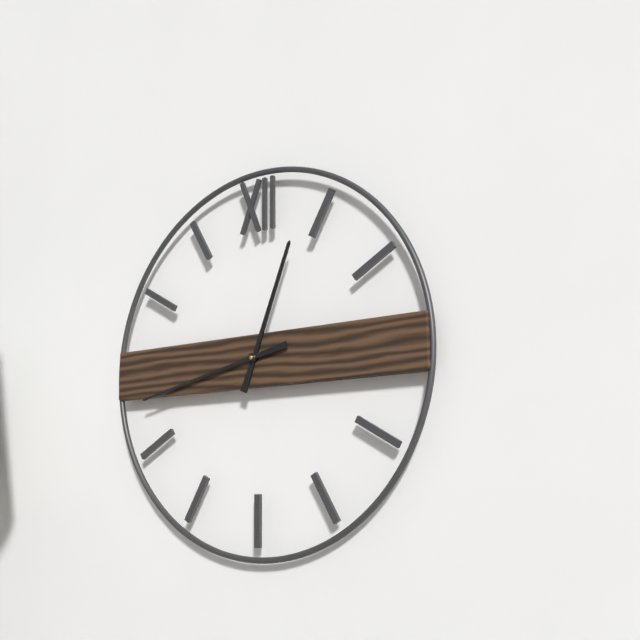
12h43
